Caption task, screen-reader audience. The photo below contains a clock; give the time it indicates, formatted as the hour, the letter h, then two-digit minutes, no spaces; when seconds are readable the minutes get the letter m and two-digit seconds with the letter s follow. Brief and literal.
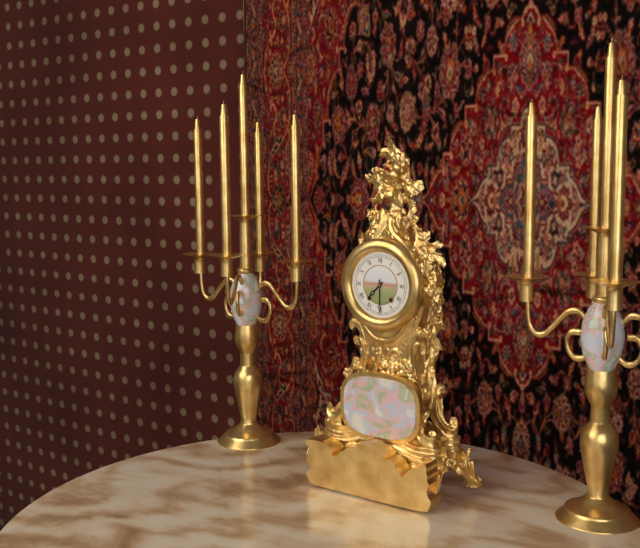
7h30
